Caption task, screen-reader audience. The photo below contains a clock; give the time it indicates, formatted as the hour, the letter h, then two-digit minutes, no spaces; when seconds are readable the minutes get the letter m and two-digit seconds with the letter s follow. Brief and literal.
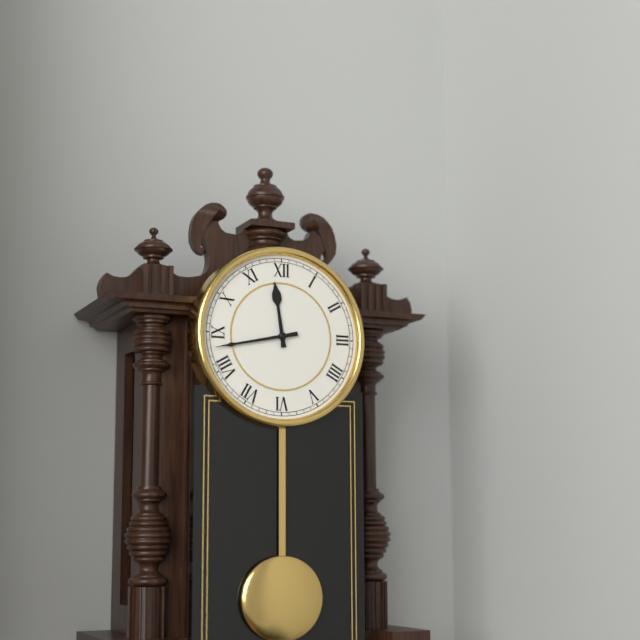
11h43
